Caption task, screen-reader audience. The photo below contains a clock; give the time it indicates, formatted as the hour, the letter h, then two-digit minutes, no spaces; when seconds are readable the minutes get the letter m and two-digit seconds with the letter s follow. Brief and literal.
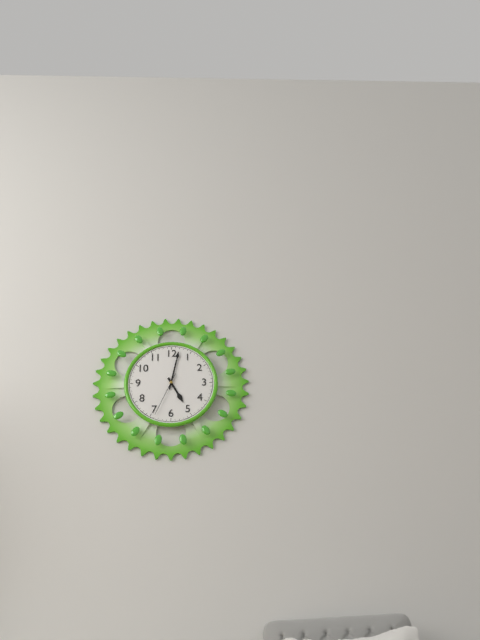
5h02
